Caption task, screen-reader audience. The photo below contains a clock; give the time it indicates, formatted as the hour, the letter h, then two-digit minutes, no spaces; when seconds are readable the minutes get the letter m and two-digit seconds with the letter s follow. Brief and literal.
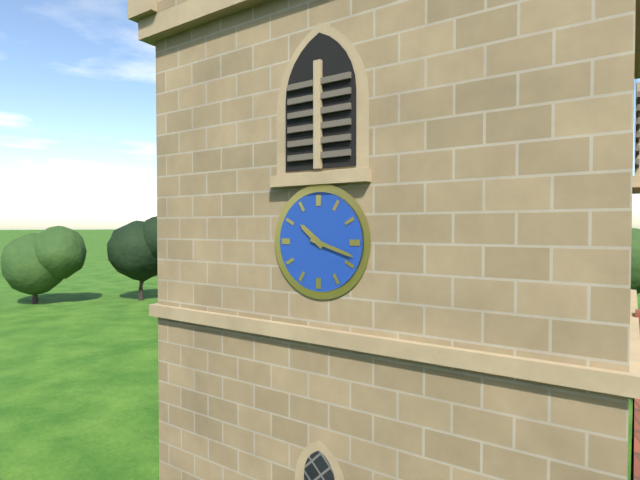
10h18
